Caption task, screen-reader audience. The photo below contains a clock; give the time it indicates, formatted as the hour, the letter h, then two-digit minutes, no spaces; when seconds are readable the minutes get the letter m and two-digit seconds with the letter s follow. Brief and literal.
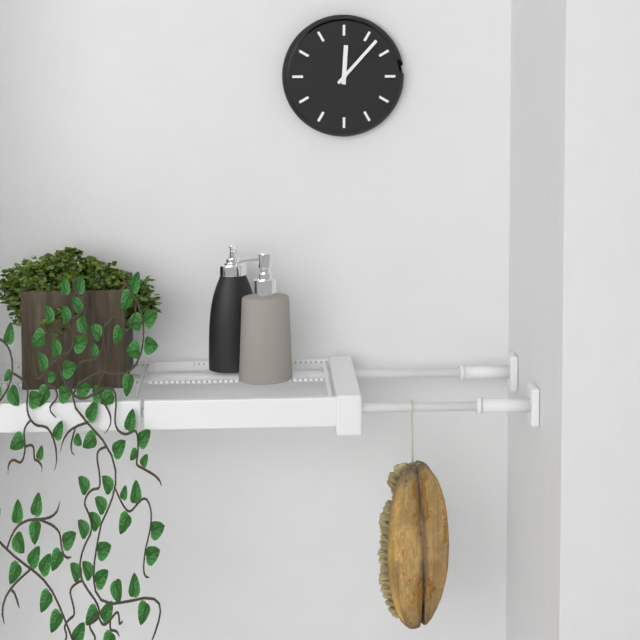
12h07
